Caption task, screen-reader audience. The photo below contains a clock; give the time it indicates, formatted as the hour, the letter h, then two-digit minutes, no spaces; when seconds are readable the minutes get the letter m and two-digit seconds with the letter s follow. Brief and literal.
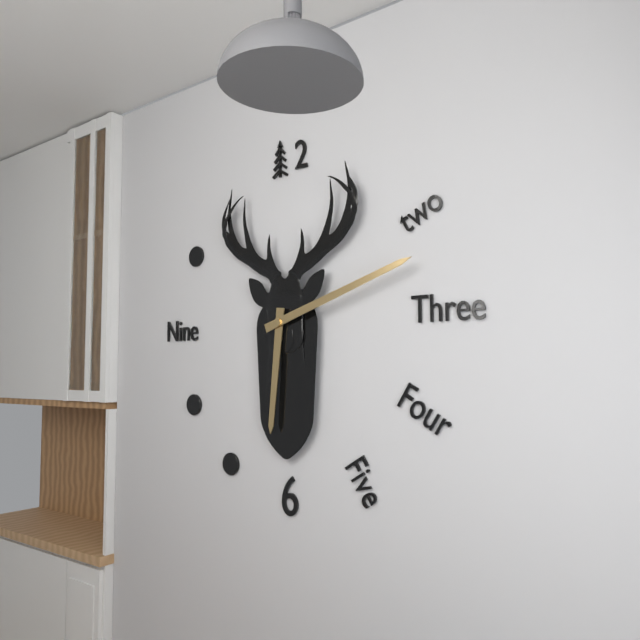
6h12
